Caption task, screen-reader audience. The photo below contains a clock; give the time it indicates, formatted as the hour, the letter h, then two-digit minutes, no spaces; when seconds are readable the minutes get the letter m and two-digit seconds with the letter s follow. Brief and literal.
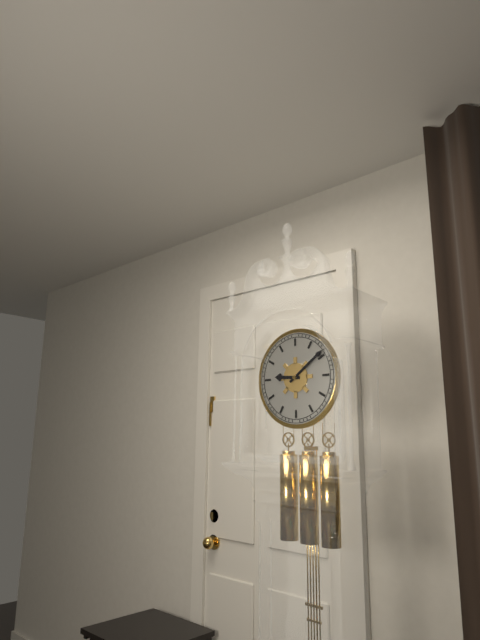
9h09
